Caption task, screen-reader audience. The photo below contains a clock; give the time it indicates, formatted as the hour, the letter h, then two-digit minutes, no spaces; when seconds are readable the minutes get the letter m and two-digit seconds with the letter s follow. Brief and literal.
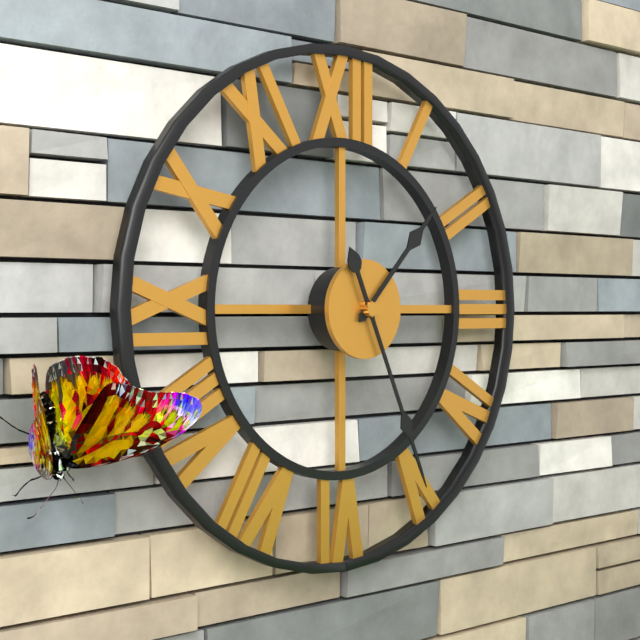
1h26
